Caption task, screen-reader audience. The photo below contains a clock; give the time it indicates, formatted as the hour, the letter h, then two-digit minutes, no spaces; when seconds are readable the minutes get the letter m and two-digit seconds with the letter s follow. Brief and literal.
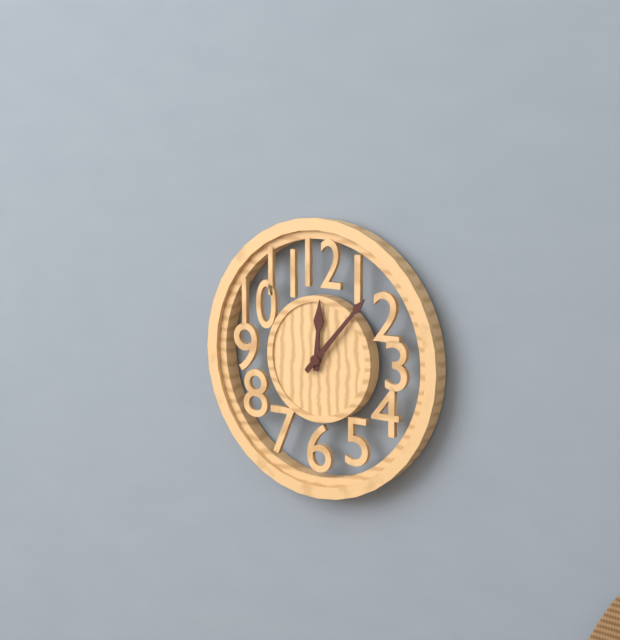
12h07
